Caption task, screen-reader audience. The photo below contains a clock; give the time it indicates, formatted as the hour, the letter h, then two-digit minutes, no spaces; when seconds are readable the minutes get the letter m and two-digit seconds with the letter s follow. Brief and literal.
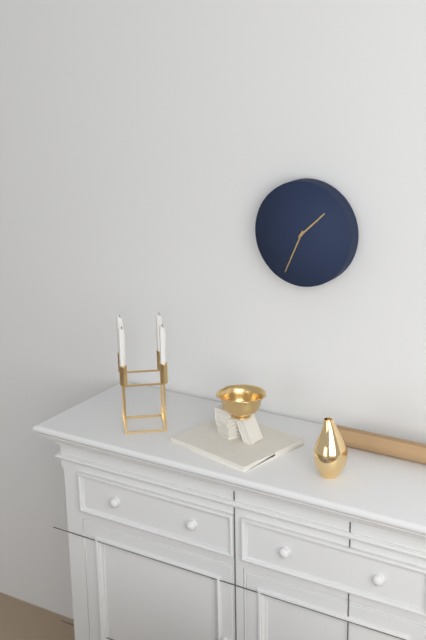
1h34
